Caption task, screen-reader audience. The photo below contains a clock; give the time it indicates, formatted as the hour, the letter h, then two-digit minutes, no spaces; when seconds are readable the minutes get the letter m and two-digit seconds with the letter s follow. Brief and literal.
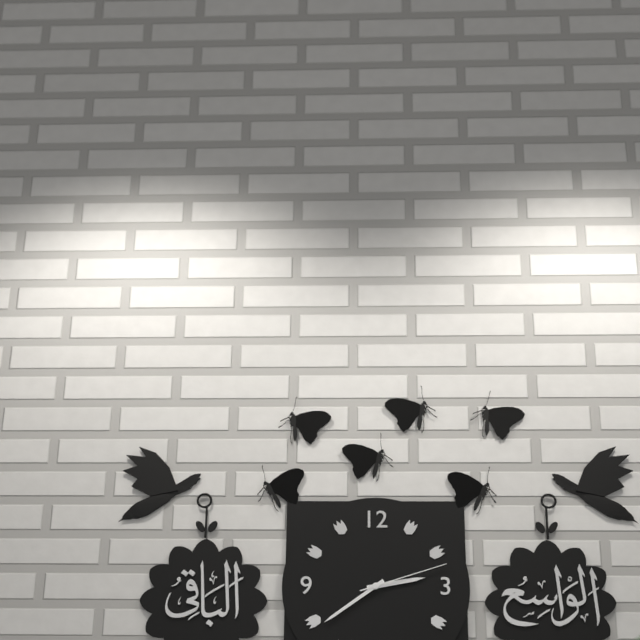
2h39m12s
